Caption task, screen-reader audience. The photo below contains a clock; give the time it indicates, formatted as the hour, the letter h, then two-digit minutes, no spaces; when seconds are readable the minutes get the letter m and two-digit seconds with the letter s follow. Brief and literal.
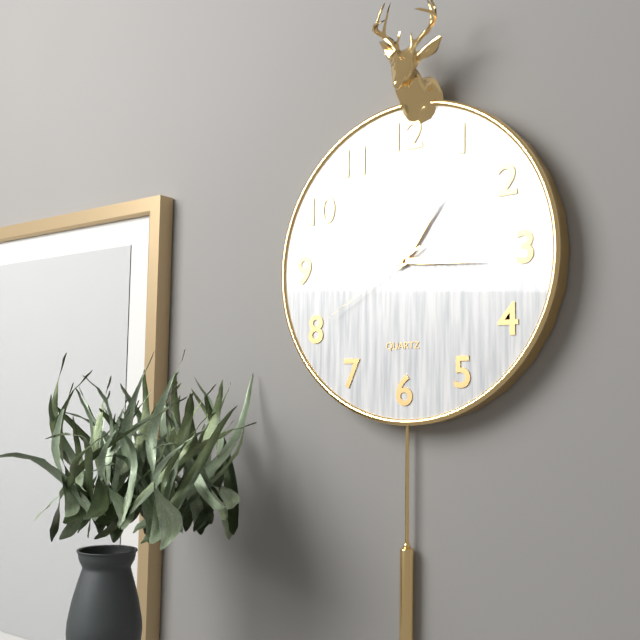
1h16m40s
